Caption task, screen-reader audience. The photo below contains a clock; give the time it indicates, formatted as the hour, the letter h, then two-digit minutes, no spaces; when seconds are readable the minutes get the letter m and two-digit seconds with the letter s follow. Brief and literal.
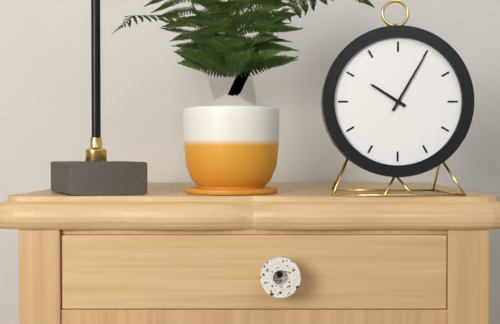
10h05
